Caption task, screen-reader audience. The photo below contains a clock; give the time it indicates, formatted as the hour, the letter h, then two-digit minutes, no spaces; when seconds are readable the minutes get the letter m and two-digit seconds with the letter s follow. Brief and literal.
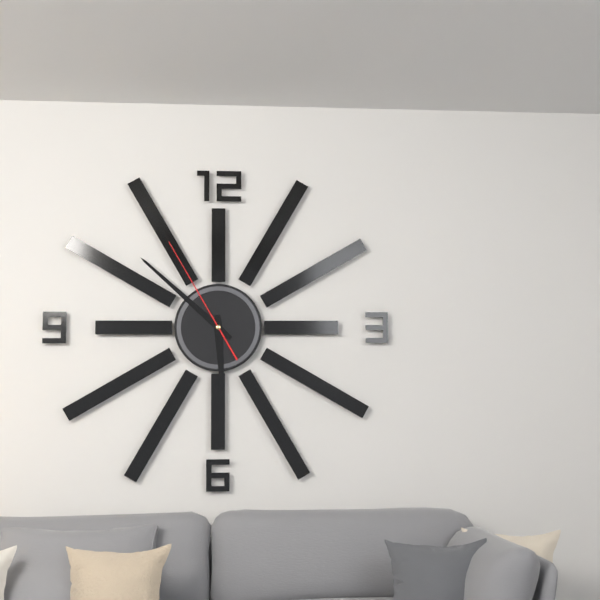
5h52m55s
